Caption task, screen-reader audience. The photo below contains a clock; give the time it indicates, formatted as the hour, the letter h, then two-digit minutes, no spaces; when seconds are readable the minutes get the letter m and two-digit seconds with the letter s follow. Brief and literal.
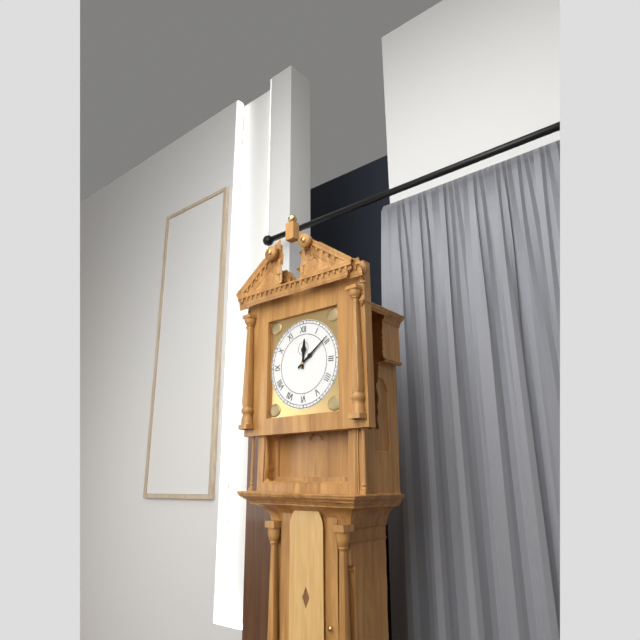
12h09
